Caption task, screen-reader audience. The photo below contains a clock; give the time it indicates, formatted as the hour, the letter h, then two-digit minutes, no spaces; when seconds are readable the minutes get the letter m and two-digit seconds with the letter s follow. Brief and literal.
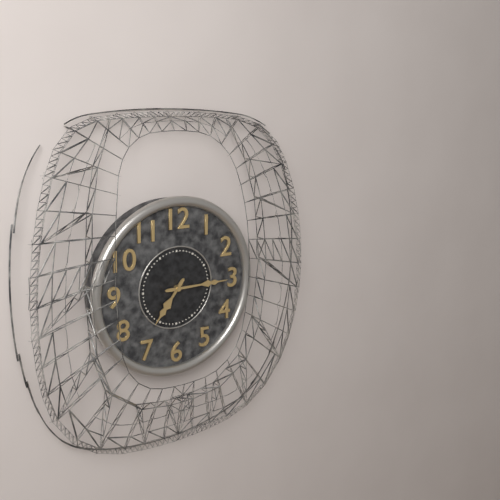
7h15
